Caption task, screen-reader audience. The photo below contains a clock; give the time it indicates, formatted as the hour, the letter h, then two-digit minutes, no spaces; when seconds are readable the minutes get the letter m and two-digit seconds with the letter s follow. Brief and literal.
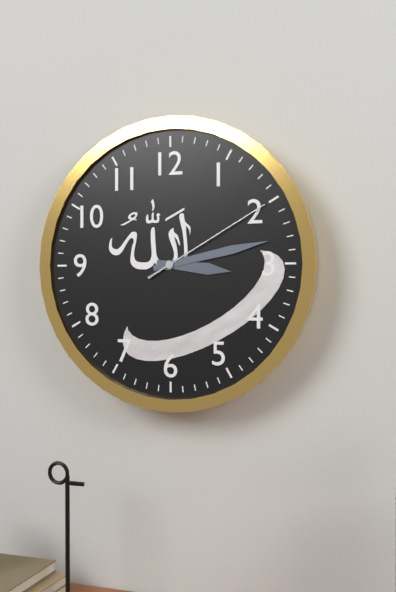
3h13m10s
